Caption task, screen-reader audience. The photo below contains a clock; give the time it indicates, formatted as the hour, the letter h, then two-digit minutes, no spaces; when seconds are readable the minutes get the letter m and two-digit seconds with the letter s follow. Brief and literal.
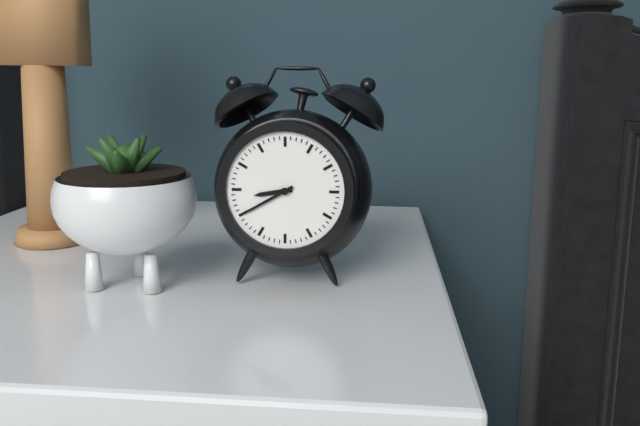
8h40
